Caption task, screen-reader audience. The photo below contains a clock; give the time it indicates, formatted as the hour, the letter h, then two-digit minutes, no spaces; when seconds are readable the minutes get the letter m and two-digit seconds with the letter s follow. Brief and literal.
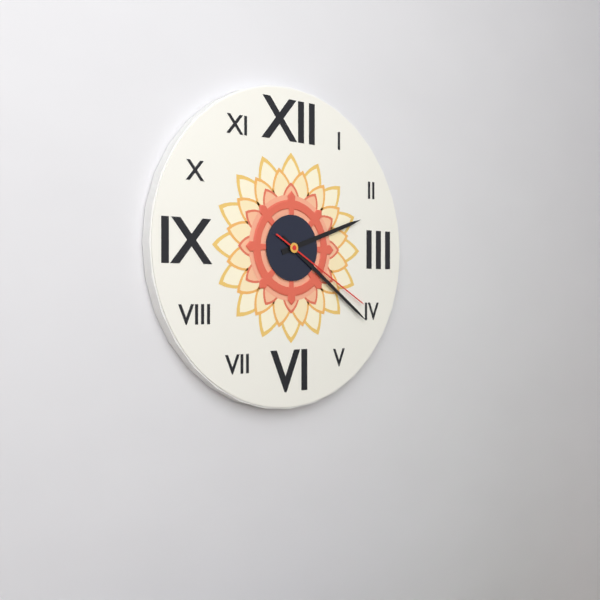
2h21m20s
